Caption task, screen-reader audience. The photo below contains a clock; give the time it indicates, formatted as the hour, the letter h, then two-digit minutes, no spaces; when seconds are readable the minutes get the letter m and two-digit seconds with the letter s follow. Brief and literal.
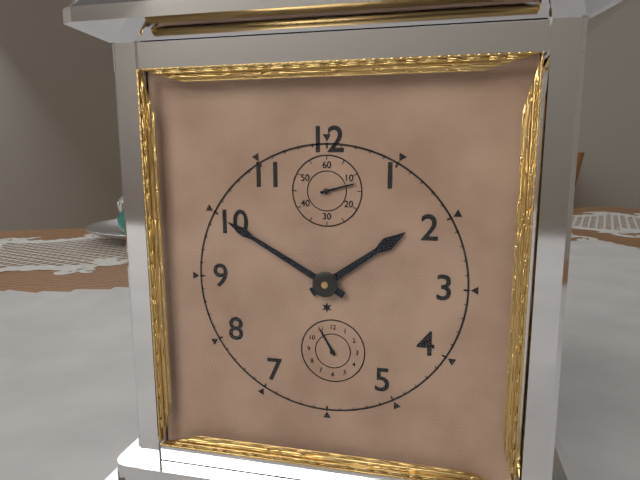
1h50
